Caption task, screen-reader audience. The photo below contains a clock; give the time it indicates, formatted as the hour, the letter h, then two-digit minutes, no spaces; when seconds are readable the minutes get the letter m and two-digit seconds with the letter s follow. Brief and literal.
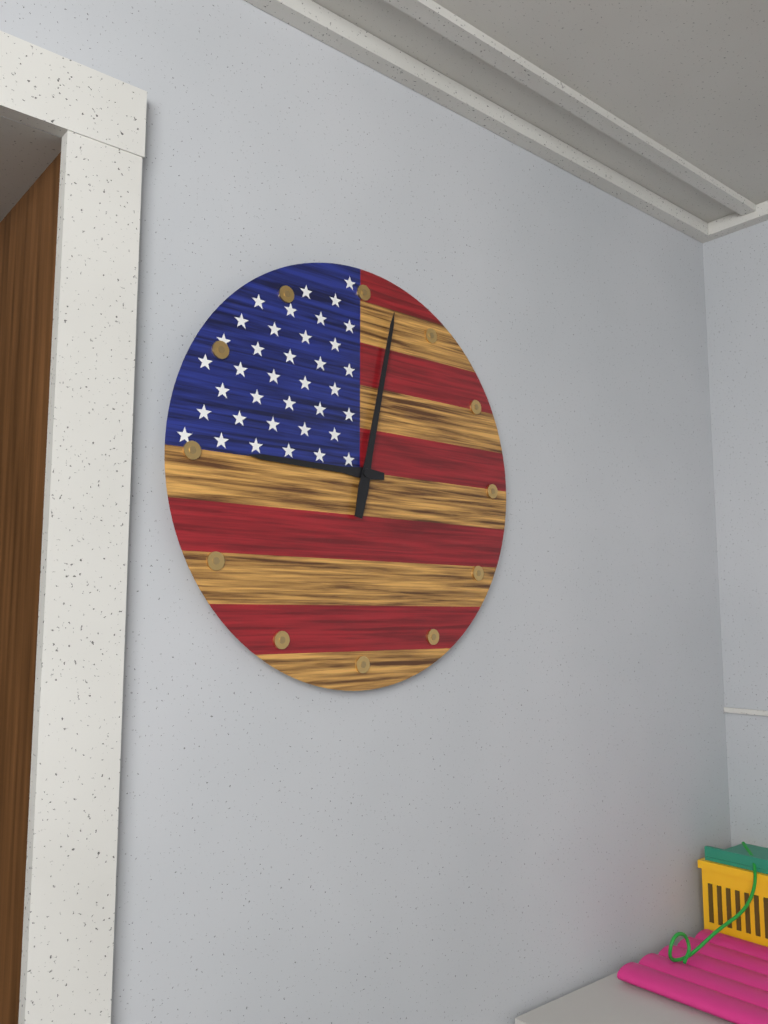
9h02
